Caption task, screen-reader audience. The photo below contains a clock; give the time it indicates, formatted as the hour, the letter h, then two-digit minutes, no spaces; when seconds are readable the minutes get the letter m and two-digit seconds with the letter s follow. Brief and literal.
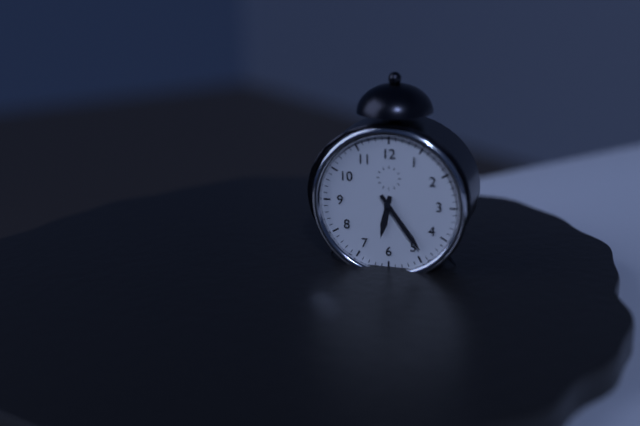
6h24
